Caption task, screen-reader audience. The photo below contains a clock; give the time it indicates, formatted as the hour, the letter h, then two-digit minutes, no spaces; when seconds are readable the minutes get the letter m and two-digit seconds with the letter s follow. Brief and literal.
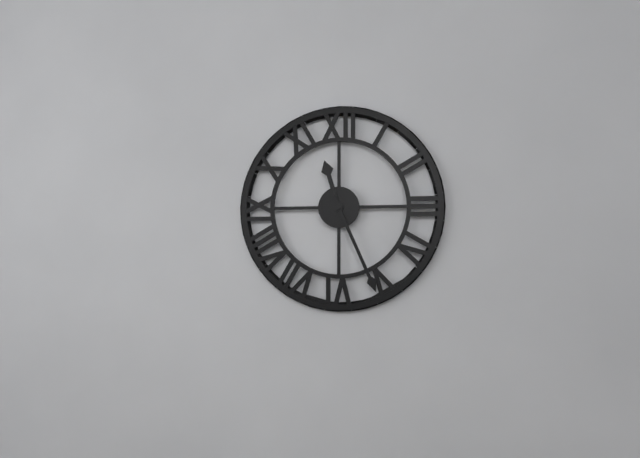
11h26
